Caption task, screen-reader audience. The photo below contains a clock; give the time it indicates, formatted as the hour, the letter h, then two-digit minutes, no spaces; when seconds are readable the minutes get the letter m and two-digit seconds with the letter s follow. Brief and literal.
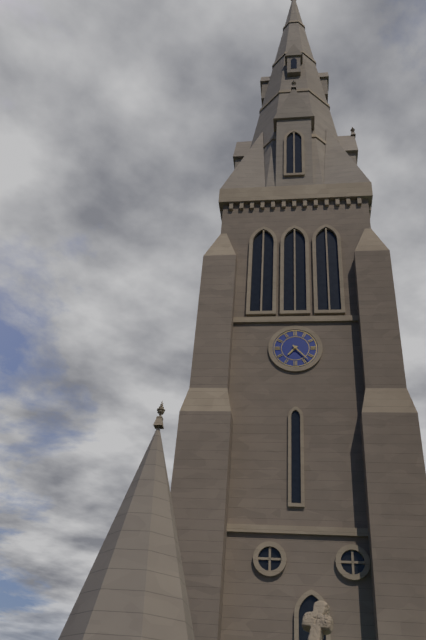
7h23
